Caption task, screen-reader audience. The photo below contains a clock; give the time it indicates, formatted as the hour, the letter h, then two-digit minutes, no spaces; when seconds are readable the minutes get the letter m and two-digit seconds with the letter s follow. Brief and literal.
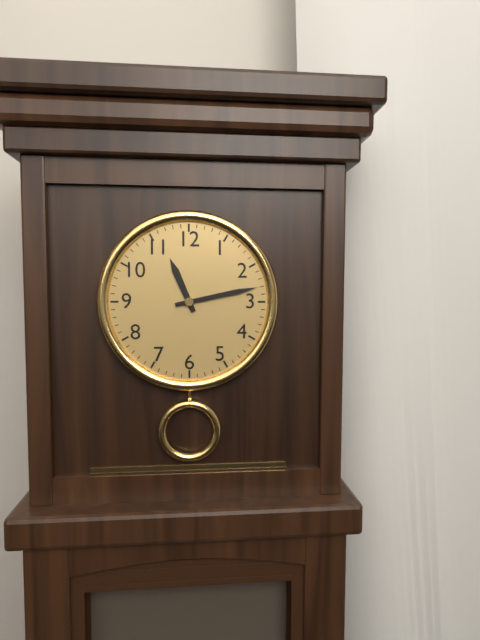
11h13
